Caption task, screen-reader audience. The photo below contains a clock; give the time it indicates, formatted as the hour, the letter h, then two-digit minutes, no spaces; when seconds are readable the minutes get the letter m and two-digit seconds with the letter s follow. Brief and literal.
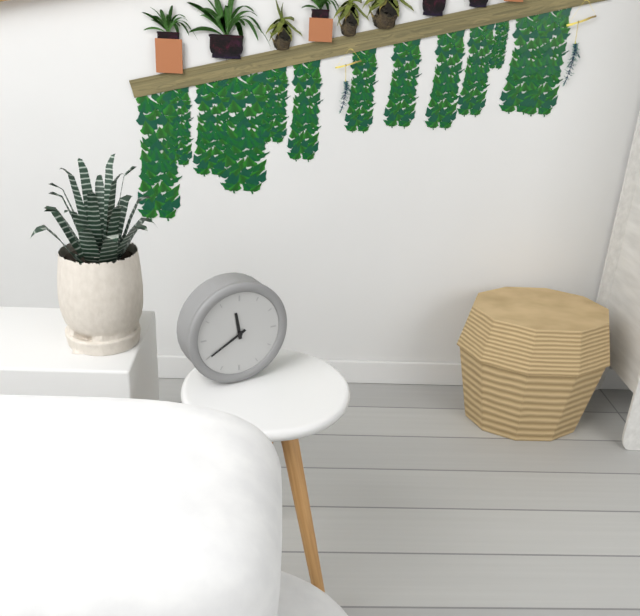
11h40
